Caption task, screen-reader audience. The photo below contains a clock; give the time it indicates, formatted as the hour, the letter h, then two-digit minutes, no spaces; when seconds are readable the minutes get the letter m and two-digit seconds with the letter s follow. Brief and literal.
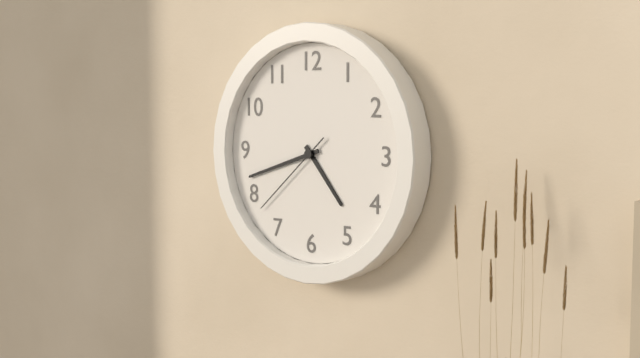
4h42m38s
